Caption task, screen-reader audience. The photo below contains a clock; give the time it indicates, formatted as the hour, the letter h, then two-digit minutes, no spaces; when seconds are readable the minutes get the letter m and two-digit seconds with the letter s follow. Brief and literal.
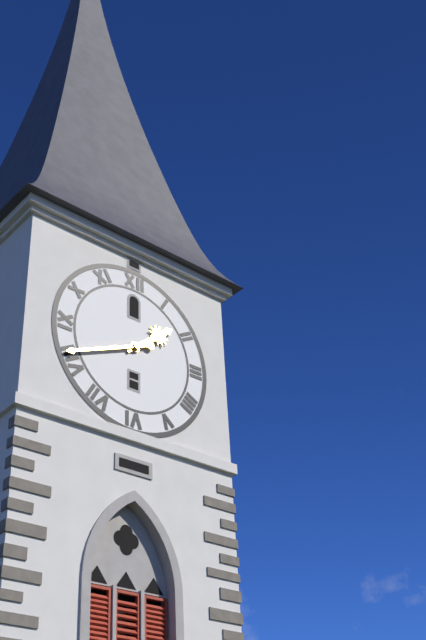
1h41
